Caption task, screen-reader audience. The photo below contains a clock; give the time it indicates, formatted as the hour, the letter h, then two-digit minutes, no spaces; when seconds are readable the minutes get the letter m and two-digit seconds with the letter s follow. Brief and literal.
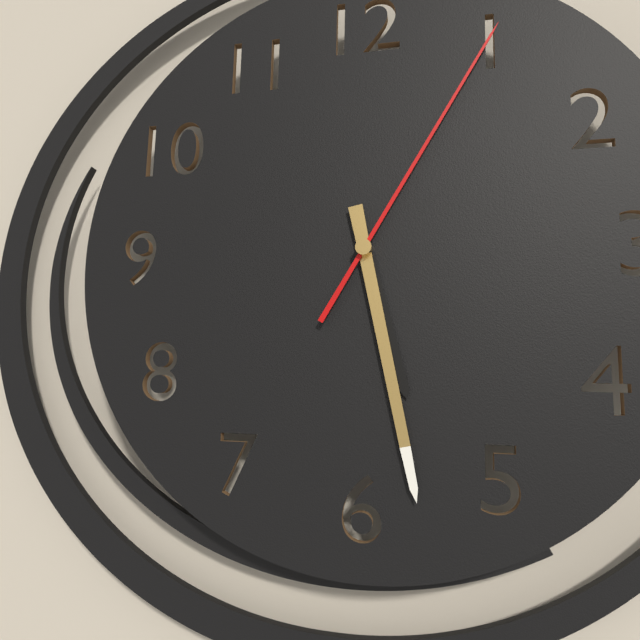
5h28m05s
